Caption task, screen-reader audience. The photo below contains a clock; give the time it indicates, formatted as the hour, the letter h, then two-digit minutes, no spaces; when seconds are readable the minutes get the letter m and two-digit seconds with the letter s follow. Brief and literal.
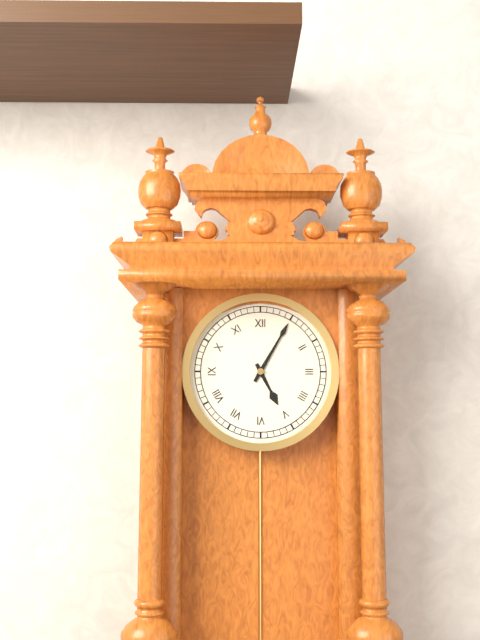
5h05
